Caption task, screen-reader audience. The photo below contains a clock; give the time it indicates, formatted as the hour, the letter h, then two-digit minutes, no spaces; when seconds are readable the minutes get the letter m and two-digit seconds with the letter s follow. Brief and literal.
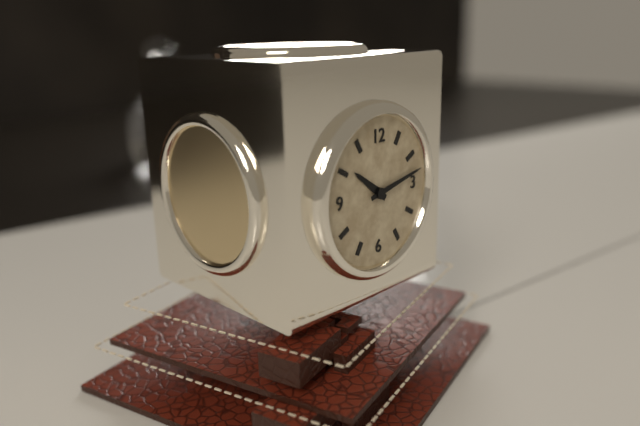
10h13
